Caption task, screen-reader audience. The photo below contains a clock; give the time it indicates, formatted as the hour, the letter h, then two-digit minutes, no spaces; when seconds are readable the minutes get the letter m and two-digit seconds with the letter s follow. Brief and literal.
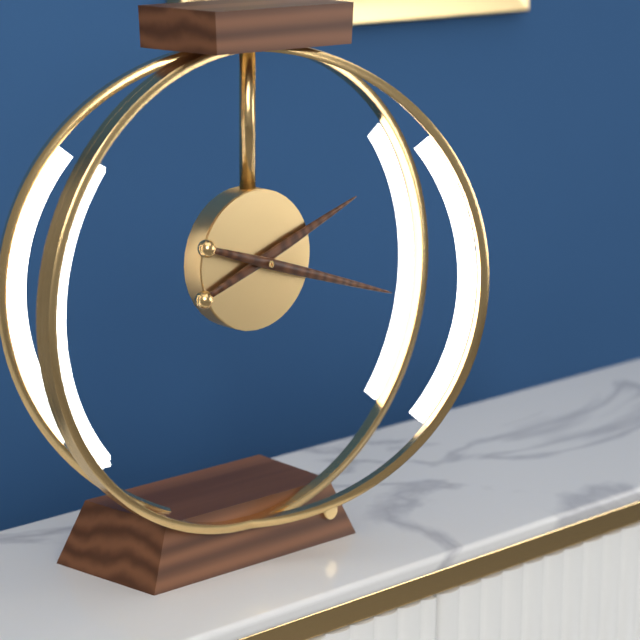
2h18
